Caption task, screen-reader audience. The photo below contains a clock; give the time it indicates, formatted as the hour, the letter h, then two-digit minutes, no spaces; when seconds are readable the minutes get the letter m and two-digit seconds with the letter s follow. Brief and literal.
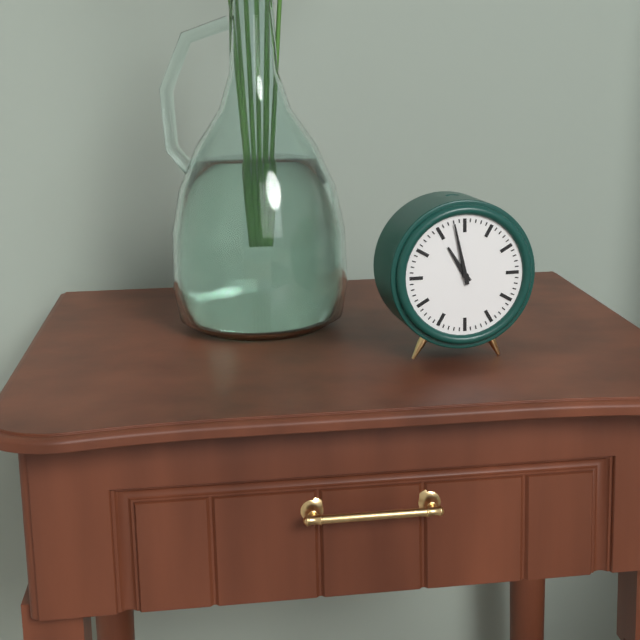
10h58
